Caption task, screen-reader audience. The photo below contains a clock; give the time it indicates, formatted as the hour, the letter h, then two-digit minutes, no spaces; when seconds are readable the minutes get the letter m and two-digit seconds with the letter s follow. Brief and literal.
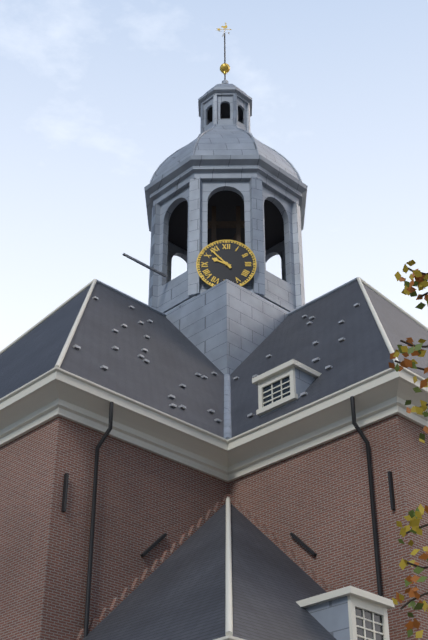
9h53
